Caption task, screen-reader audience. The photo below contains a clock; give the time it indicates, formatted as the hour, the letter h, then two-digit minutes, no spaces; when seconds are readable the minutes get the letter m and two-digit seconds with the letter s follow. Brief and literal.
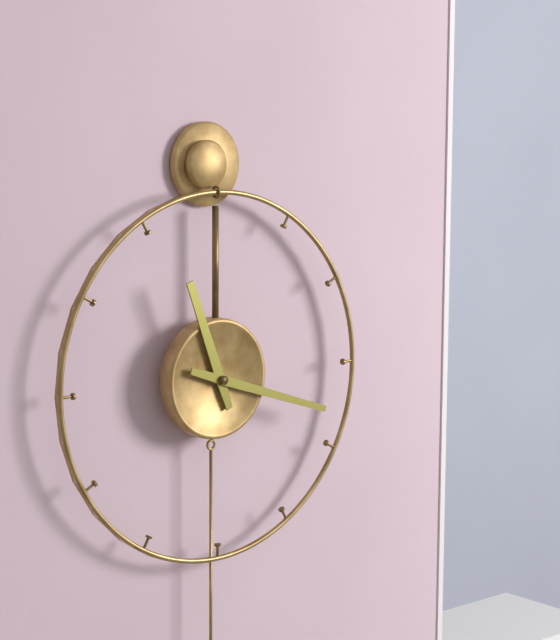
11h18
